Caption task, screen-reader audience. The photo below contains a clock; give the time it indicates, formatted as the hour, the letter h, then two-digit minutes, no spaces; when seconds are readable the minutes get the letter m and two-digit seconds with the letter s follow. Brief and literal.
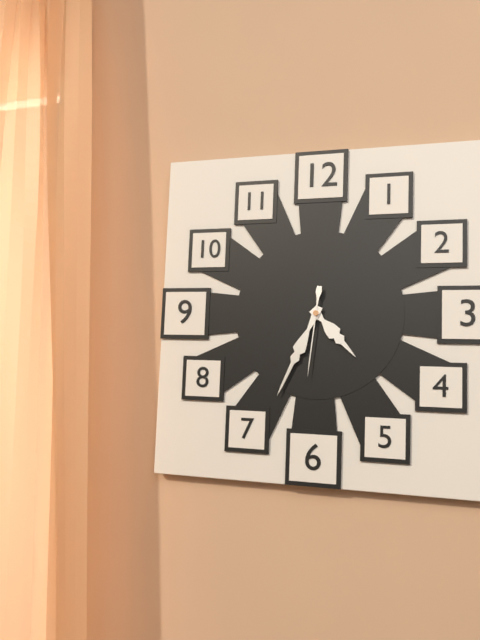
4h34m31s
